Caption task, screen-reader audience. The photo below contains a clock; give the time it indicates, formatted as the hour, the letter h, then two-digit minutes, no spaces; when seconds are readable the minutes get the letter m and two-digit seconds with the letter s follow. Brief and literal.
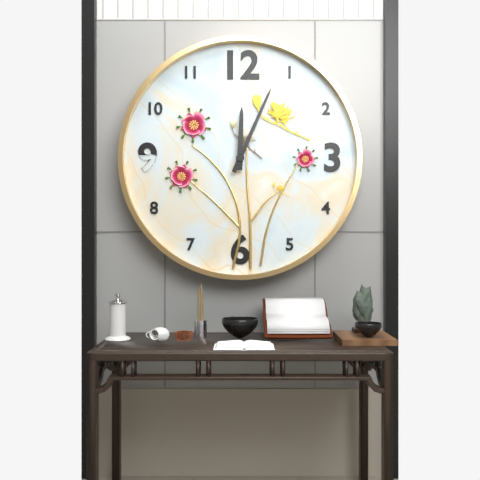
12h04
